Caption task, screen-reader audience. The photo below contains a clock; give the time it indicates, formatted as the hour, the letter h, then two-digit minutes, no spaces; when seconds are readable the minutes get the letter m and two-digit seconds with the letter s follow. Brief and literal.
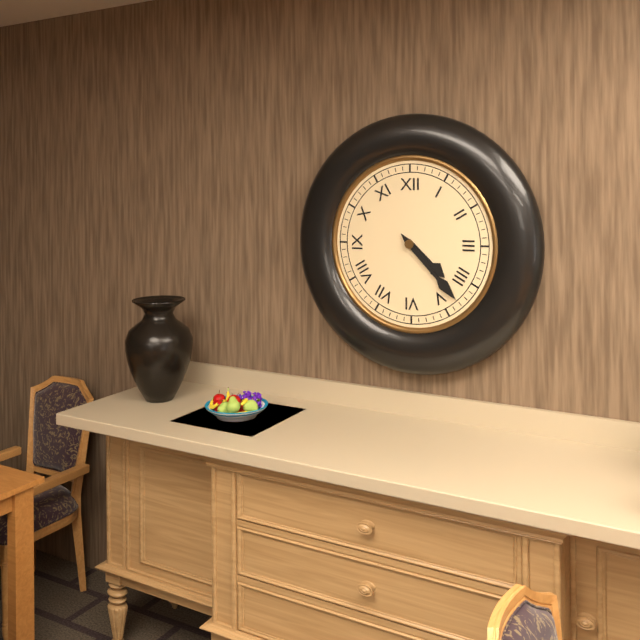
4h23
